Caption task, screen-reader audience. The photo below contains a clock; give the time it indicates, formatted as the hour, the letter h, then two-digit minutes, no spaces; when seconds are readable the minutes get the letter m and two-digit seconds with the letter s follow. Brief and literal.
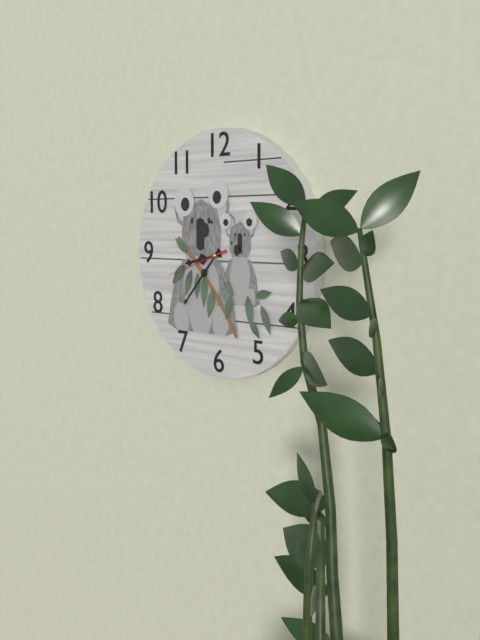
8h37m42s
